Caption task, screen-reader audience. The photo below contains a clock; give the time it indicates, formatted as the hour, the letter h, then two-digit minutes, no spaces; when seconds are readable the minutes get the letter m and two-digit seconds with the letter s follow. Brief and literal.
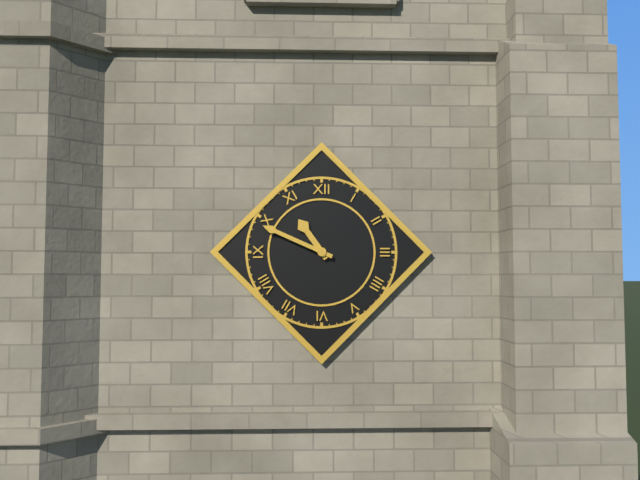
10h49
